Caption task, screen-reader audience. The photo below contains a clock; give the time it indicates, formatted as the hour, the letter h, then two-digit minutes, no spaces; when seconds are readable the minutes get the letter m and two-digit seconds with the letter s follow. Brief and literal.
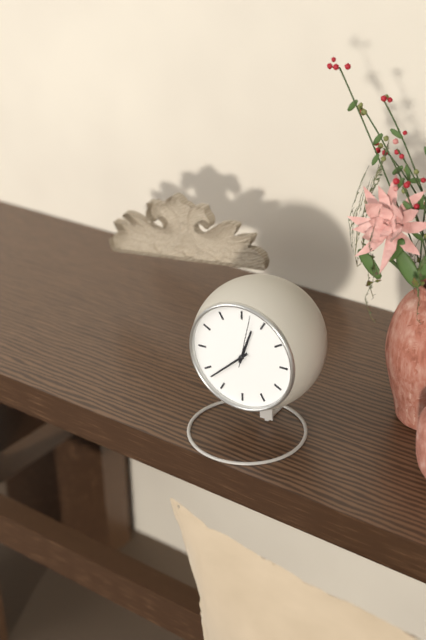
12h38
